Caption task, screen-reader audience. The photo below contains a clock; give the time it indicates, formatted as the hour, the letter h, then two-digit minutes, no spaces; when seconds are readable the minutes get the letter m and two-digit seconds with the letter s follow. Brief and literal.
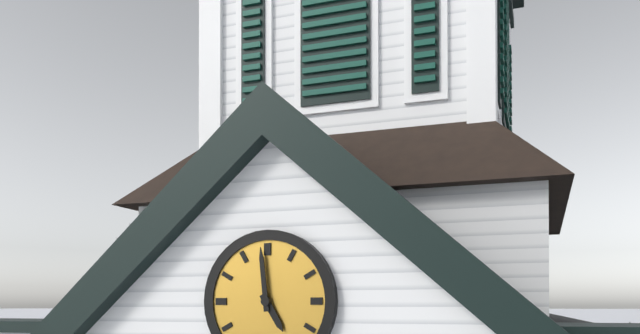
4h59
